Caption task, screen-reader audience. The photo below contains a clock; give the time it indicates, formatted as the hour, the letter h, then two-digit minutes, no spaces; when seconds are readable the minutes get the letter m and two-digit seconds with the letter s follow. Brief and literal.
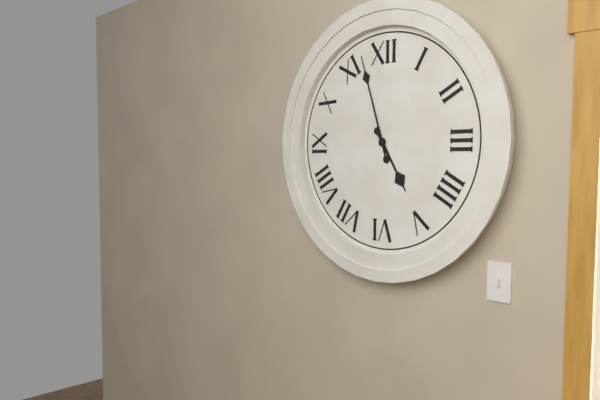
4h57
